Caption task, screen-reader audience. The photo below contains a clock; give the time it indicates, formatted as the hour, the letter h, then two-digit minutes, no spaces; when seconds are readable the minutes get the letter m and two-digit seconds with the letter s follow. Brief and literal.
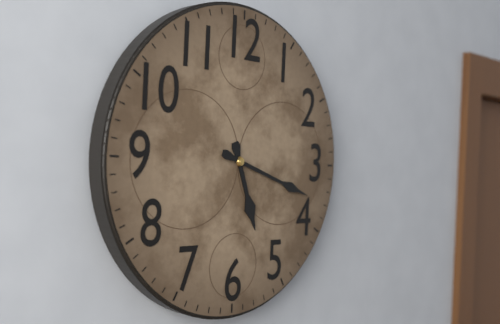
5h18
